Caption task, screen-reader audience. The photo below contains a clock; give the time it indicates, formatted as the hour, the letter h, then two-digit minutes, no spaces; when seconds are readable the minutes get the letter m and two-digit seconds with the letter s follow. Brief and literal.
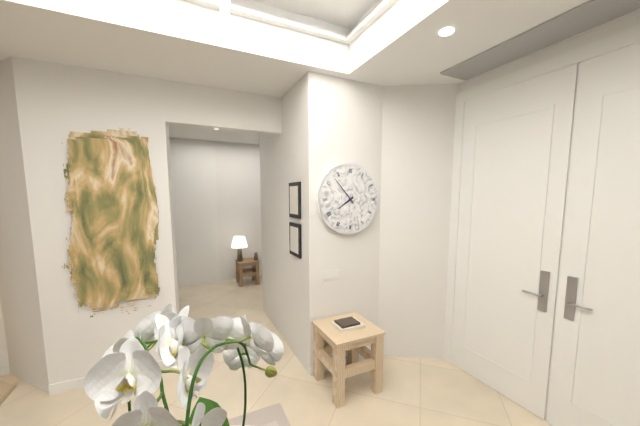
7h53
